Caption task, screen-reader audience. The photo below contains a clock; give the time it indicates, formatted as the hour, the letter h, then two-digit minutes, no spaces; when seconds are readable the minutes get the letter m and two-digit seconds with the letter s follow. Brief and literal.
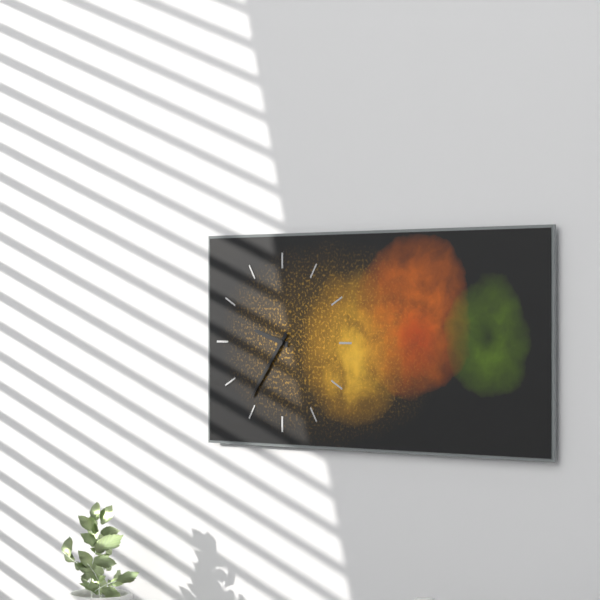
9h36
